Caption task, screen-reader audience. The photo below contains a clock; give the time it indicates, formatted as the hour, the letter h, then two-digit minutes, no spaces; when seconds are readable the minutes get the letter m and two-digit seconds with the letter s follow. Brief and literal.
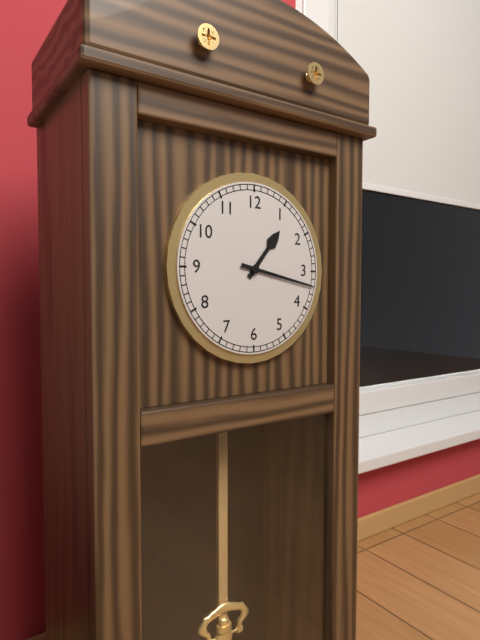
1h17
